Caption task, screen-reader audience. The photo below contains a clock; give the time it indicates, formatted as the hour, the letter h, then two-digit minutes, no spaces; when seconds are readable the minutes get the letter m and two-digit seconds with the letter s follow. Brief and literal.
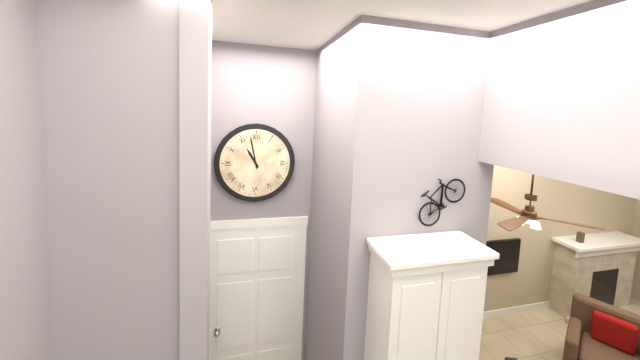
10h58
